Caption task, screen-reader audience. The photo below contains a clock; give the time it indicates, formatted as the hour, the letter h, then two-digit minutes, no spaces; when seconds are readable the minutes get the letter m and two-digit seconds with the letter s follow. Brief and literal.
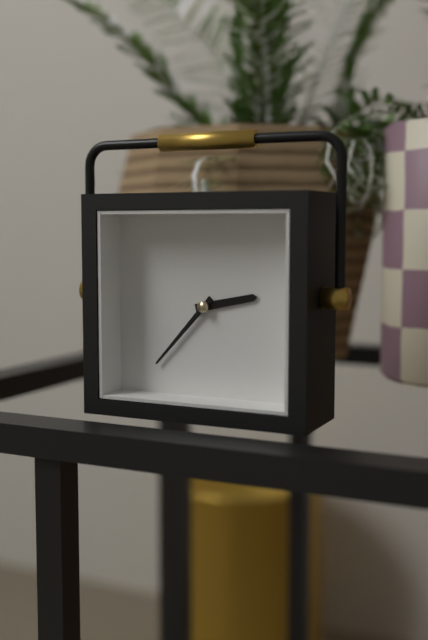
2h37
